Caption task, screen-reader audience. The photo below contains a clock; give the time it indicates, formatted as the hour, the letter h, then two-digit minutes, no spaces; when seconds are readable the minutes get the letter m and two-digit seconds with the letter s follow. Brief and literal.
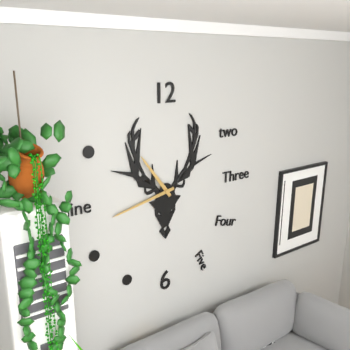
10h43
